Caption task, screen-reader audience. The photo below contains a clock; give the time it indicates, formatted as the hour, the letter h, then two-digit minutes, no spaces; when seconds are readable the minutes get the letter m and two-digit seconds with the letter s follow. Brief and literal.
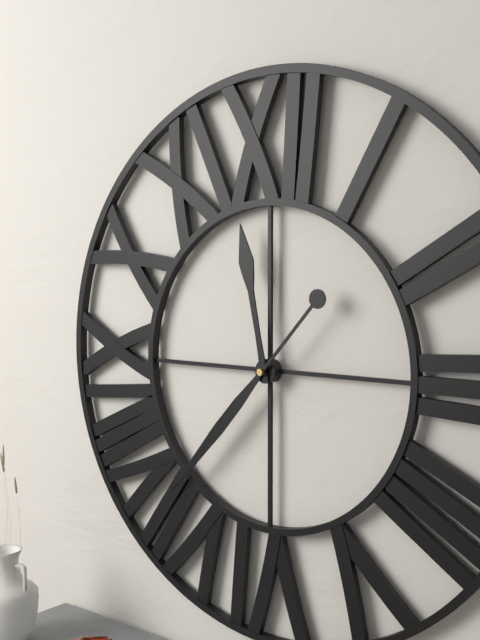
11h37
